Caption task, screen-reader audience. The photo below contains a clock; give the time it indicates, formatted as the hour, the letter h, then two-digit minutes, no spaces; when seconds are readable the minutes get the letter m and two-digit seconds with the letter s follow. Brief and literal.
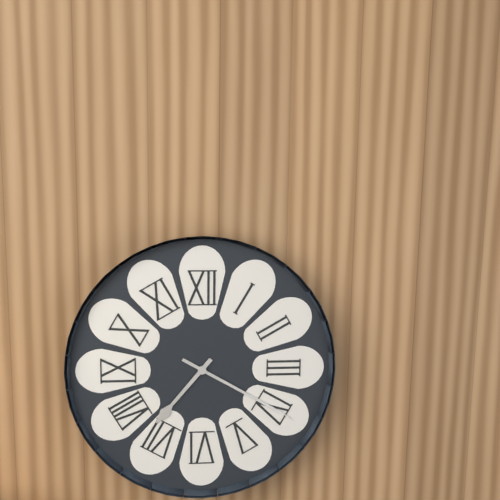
7h20
